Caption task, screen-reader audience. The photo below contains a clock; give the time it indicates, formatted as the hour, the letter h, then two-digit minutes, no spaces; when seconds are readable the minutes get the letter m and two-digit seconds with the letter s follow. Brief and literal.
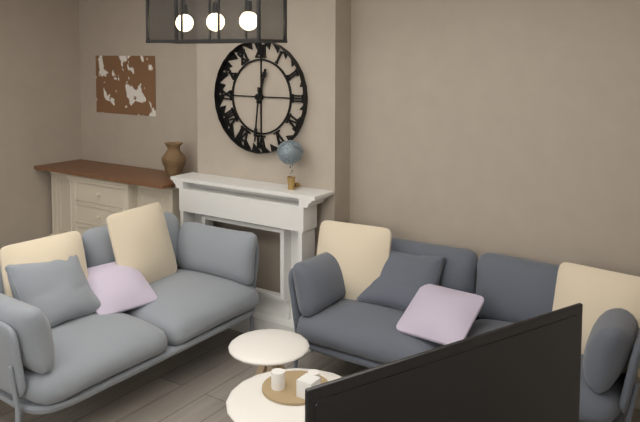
12h31
